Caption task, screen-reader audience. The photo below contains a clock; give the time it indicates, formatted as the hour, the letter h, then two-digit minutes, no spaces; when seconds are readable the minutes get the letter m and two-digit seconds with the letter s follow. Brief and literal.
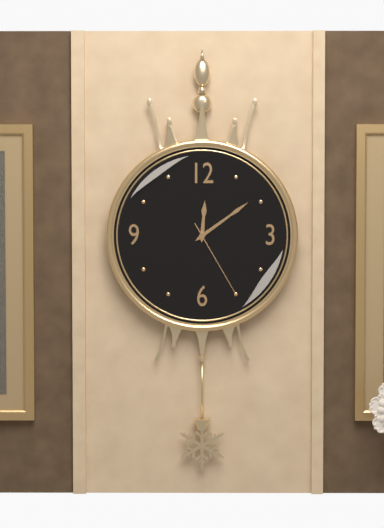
12h09m25s
